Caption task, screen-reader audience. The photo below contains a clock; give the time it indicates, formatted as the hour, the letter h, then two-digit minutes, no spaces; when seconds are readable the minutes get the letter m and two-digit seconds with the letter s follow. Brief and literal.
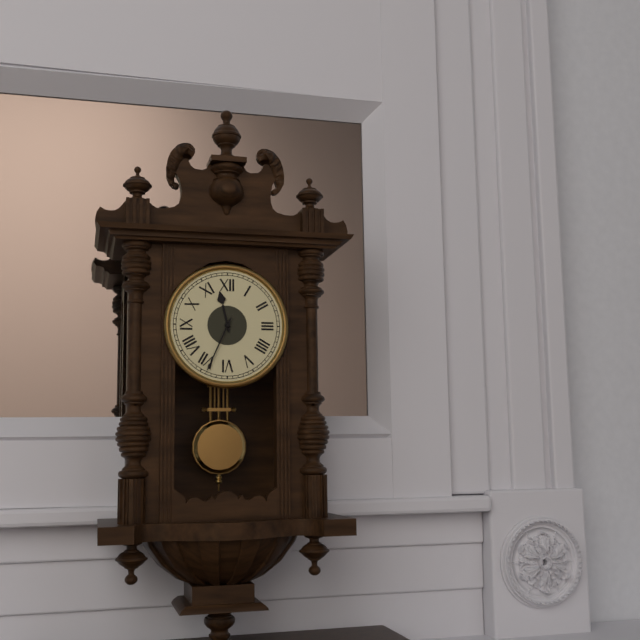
11h34
